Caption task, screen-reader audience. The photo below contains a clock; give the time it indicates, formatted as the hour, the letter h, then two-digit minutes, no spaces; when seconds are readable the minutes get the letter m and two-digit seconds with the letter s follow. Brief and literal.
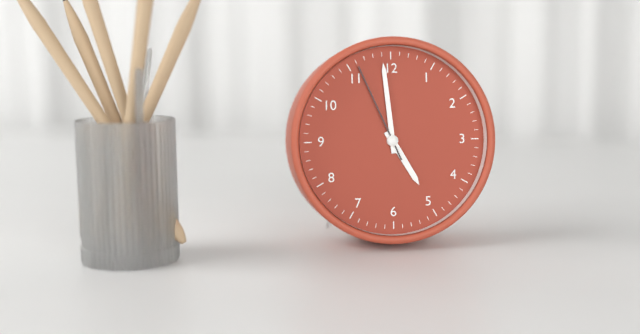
4h59m56s
